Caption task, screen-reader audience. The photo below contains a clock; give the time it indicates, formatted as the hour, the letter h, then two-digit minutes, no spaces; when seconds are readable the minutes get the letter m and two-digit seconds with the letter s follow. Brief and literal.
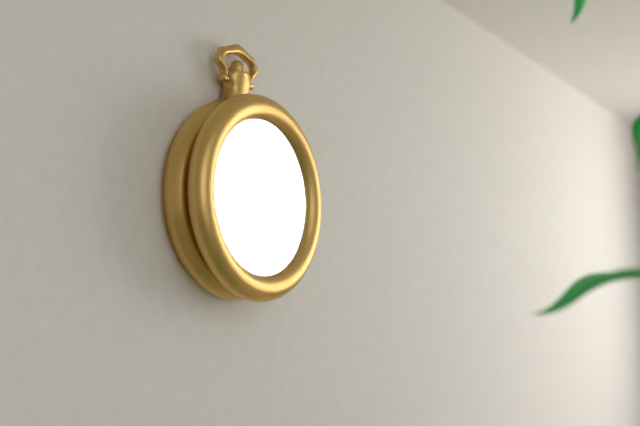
3h18
